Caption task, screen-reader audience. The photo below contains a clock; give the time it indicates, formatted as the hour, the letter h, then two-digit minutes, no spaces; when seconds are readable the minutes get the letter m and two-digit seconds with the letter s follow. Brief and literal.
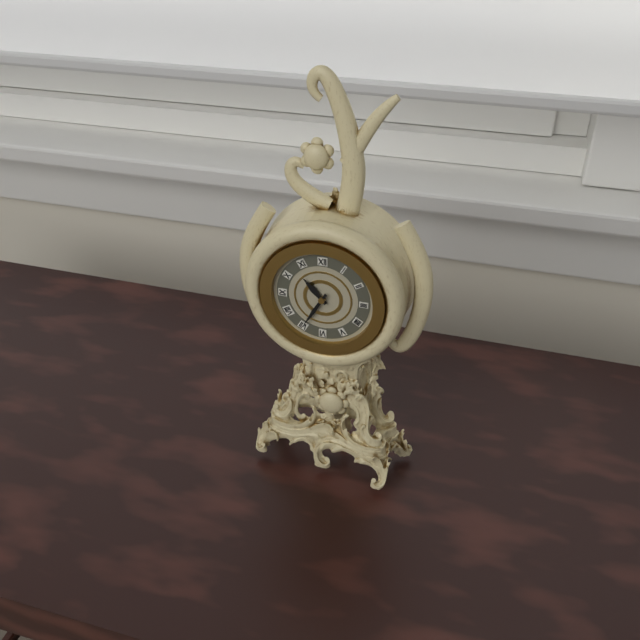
10h35
